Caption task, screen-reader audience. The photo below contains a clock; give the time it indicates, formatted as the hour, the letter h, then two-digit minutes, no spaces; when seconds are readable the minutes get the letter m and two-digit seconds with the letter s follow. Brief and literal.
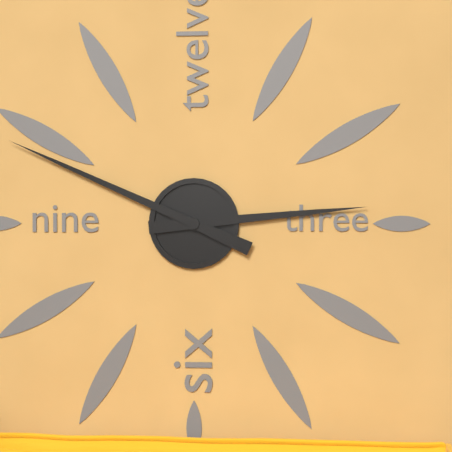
2h49
